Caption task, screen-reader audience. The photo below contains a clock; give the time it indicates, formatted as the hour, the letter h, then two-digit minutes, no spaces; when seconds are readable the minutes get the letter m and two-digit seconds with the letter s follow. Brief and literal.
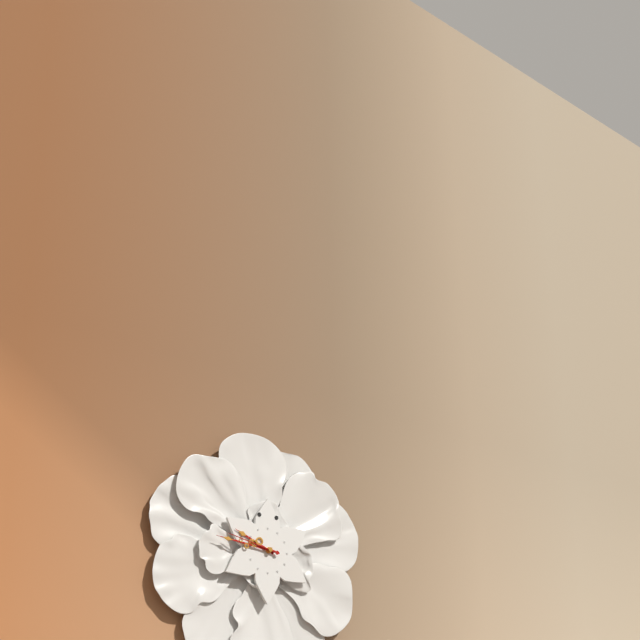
9h46m47s
